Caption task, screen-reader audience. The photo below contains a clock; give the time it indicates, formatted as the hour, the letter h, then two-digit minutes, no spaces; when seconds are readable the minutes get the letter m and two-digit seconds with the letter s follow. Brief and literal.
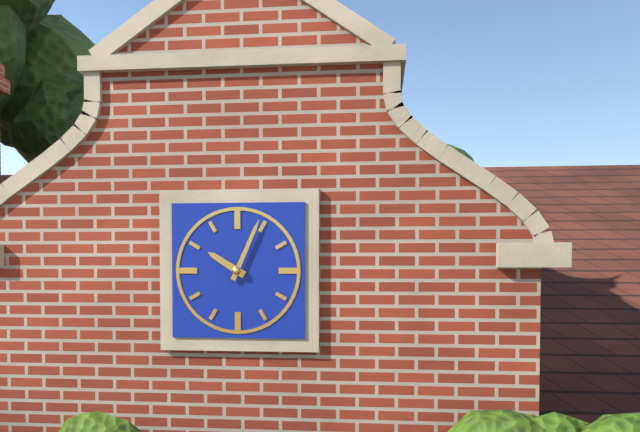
10h04
